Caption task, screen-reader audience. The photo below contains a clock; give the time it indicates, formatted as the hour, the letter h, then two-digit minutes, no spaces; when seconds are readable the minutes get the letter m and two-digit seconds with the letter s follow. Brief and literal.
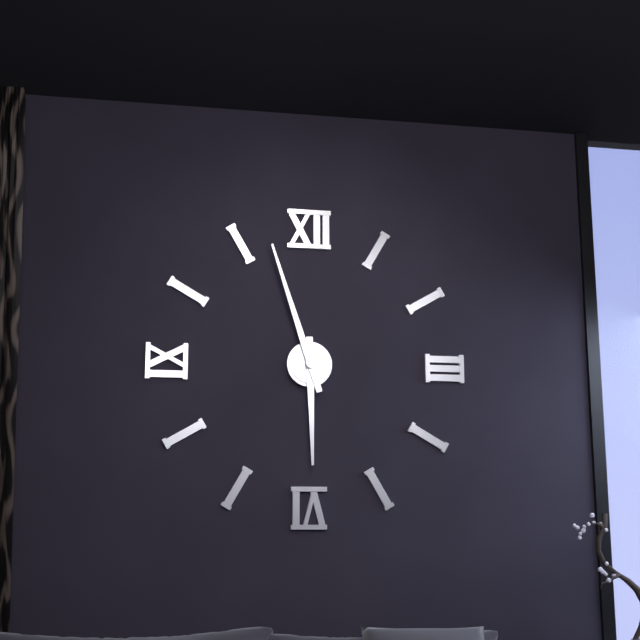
5h57
